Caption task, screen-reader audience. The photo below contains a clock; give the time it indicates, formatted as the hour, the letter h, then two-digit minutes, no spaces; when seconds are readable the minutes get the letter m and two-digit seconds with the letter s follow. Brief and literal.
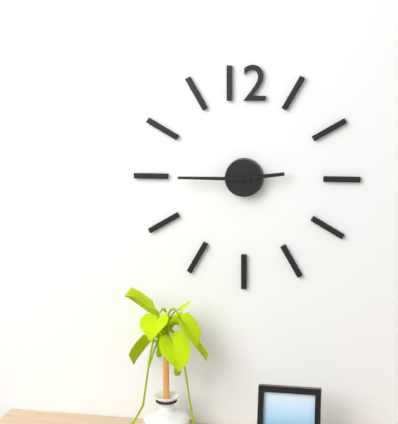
2h45
